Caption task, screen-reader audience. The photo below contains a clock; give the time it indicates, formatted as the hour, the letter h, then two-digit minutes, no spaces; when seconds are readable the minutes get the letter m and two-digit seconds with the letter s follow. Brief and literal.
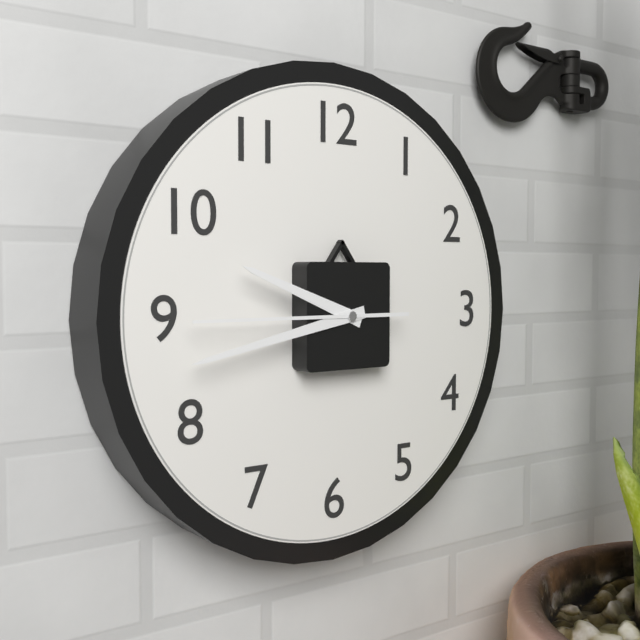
9h43m45s
